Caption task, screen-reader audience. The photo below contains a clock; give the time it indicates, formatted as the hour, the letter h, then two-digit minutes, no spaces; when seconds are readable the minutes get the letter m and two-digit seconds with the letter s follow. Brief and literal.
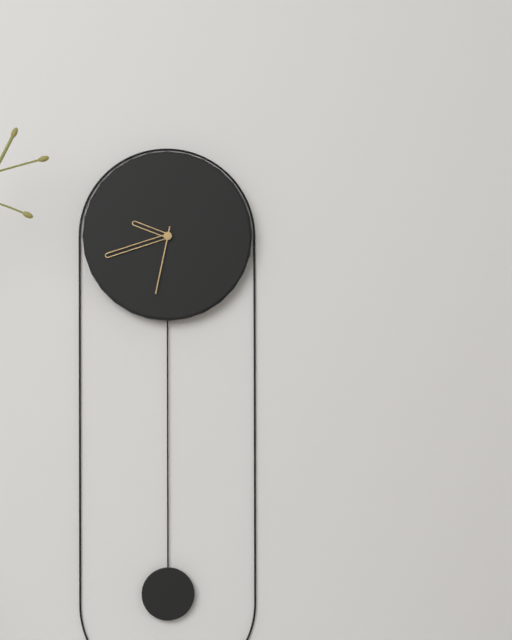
9h42m32s
